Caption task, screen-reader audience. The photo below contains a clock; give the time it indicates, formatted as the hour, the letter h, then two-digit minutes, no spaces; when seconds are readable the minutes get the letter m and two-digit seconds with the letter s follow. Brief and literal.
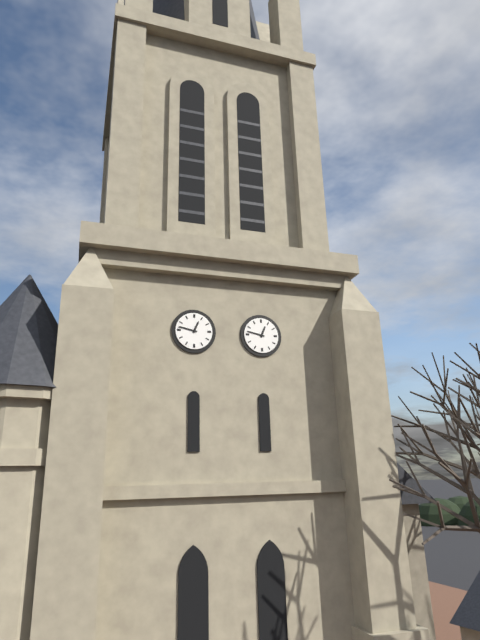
12h47
